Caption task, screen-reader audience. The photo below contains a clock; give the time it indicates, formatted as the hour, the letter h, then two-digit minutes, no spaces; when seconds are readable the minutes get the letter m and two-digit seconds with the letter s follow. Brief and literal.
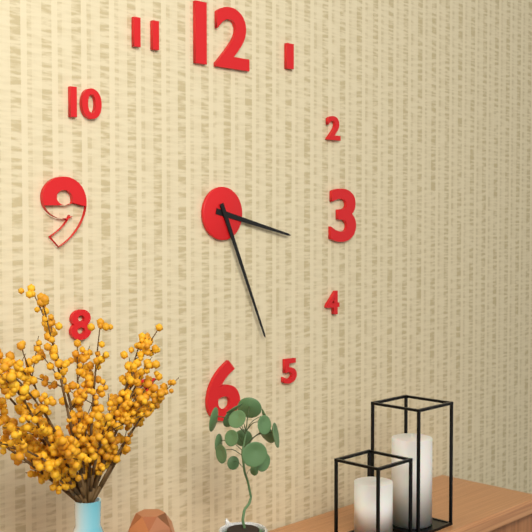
3h26
